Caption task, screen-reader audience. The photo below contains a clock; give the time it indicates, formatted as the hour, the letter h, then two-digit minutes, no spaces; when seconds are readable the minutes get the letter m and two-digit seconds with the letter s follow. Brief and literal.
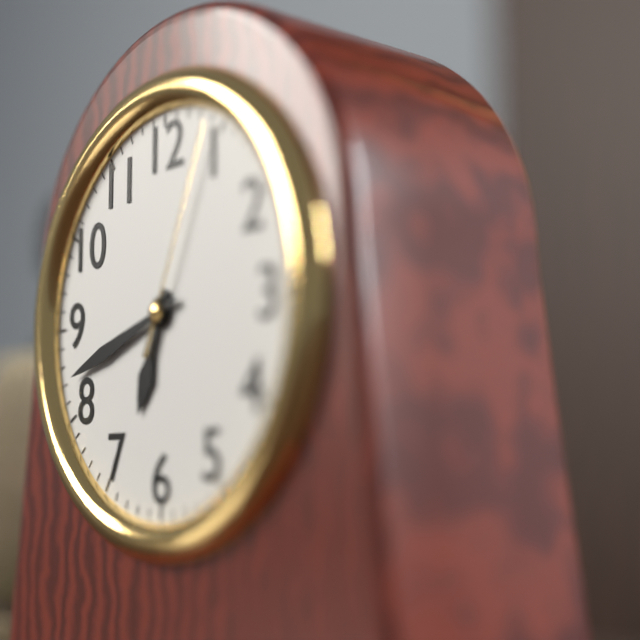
6h42m04s
